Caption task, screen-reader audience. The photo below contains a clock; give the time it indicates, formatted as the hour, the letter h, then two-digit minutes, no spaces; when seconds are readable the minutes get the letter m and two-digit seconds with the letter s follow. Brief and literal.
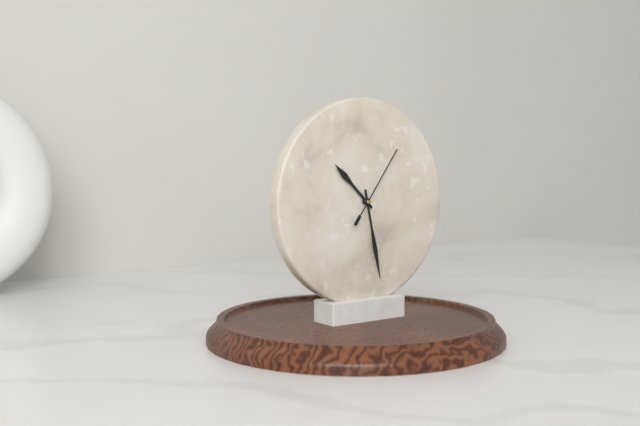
10h28m06s
